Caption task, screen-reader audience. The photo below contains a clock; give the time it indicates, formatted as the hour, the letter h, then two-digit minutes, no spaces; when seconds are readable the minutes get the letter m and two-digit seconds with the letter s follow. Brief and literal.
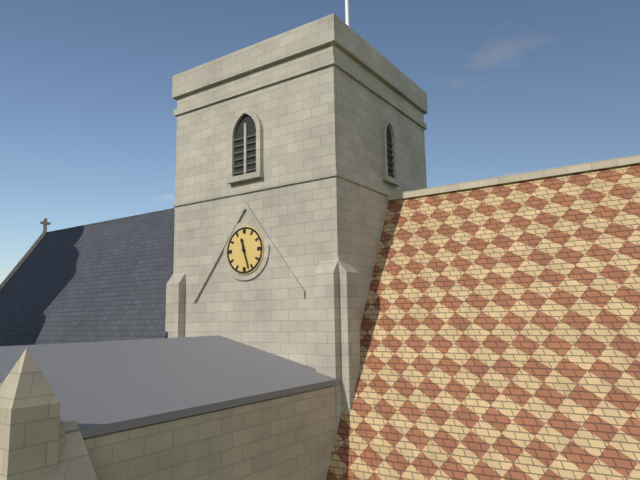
11h27
